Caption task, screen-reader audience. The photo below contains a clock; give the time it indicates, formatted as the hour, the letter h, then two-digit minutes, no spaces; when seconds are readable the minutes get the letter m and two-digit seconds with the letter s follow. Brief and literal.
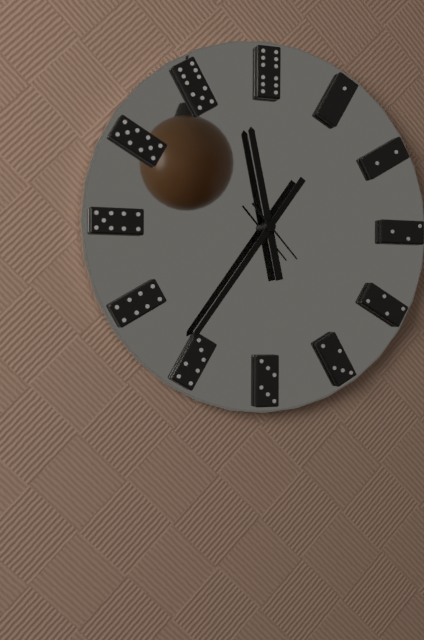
11h36m23s
